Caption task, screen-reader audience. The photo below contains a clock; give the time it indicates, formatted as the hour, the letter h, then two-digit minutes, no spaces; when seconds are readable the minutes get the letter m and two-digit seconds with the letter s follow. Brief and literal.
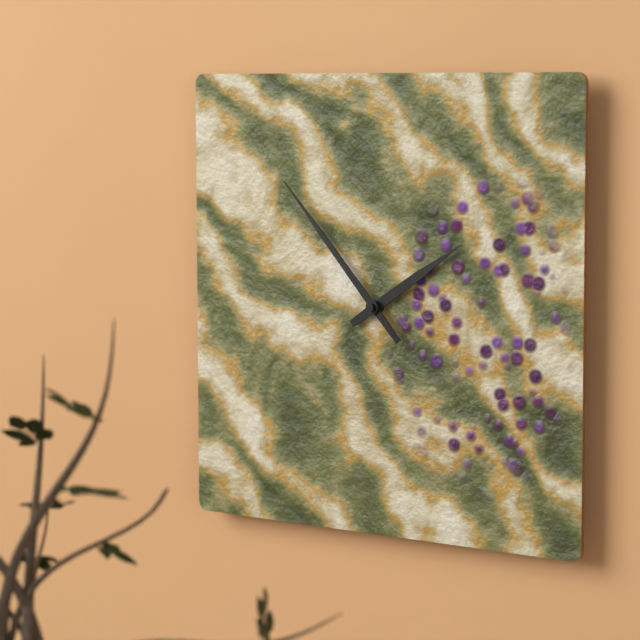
1h53
